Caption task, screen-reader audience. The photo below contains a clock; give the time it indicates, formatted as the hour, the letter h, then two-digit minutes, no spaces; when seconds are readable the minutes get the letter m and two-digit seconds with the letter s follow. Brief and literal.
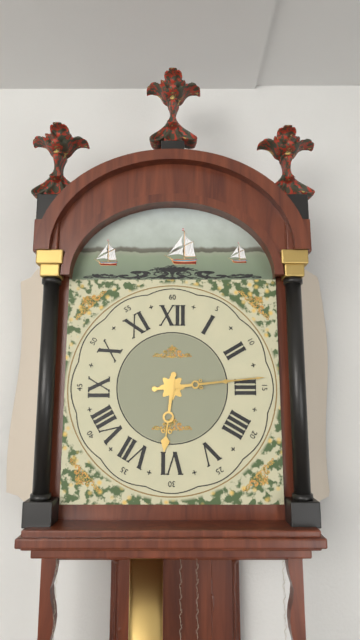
6h14
